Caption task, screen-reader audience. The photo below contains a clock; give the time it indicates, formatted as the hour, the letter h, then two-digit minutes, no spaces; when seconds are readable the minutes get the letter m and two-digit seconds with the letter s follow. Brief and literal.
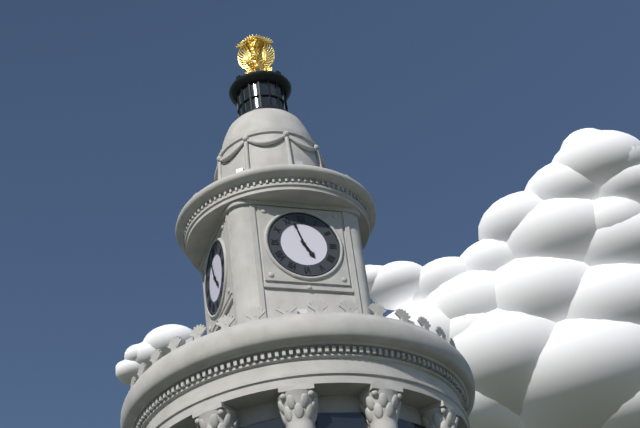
4h57
